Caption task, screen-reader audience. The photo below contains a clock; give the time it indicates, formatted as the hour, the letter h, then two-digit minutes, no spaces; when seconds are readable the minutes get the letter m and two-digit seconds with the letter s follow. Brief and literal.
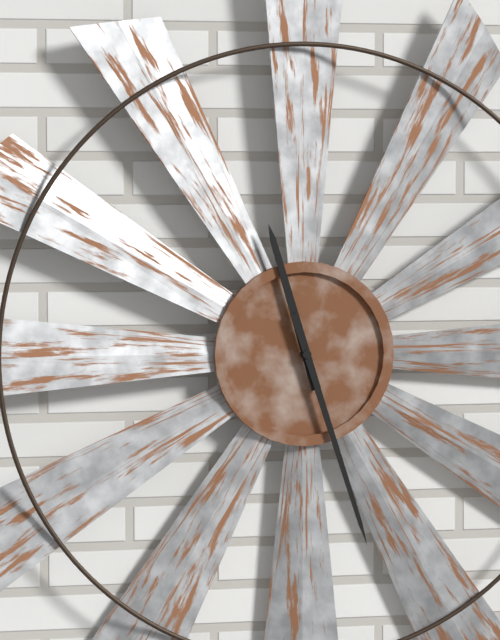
11h27
